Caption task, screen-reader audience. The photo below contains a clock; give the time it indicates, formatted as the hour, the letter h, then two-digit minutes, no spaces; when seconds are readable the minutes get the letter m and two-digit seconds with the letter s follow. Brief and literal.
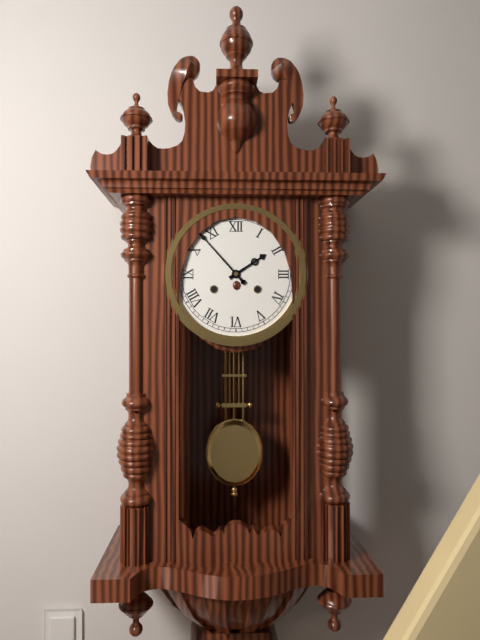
1h53
